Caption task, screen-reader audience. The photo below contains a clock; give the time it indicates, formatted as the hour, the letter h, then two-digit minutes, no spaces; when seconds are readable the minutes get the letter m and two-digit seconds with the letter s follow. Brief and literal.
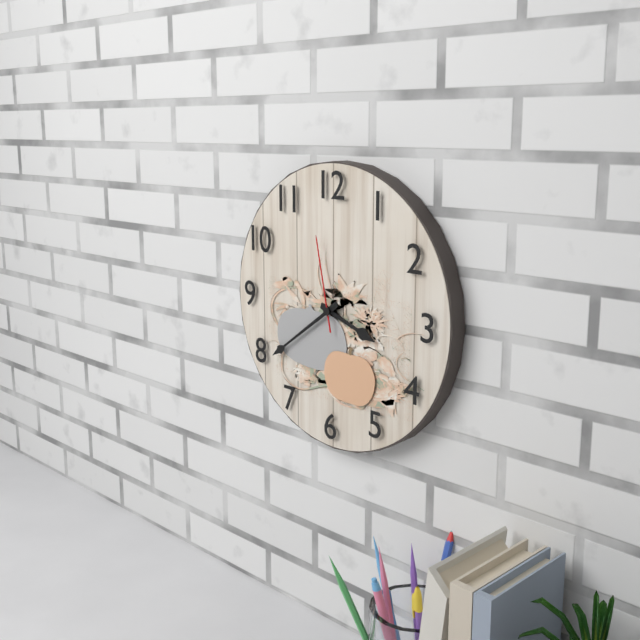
3h39m58s
